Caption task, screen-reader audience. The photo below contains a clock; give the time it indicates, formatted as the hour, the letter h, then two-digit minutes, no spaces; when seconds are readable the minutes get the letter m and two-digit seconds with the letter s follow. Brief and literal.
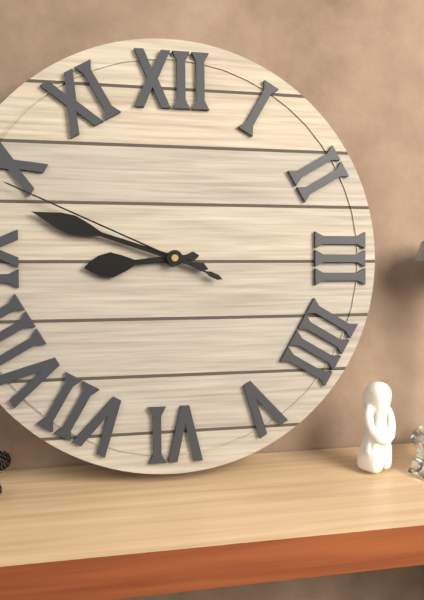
8h48m49s
